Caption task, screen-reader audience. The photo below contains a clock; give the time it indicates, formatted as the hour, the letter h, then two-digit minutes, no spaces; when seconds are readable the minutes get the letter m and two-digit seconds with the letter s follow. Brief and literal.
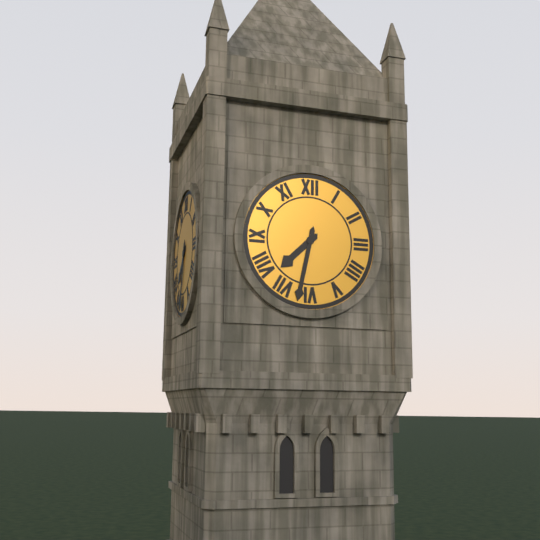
7h32
